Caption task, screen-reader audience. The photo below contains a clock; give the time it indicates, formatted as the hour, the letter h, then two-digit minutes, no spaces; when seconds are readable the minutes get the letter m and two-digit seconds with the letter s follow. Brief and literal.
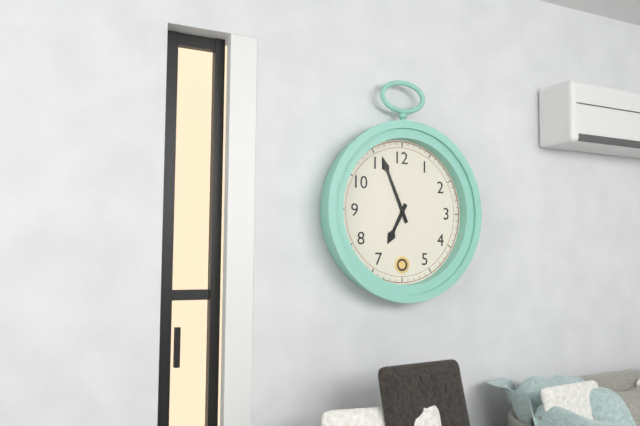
6h56
